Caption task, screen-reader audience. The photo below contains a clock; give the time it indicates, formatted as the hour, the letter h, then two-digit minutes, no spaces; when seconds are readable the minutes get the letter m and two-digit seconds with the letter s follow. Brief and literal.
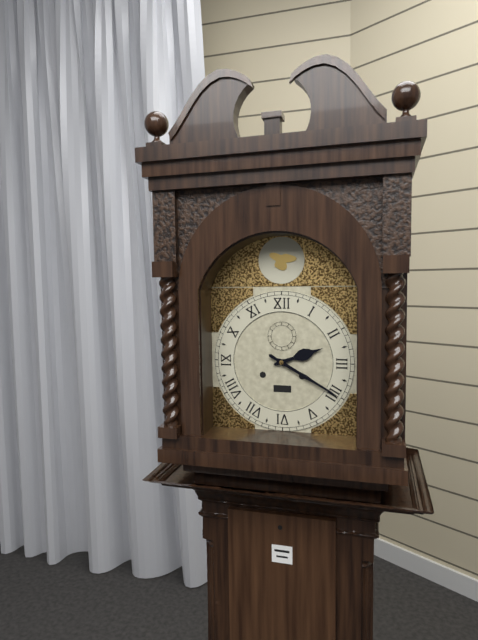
2h20
